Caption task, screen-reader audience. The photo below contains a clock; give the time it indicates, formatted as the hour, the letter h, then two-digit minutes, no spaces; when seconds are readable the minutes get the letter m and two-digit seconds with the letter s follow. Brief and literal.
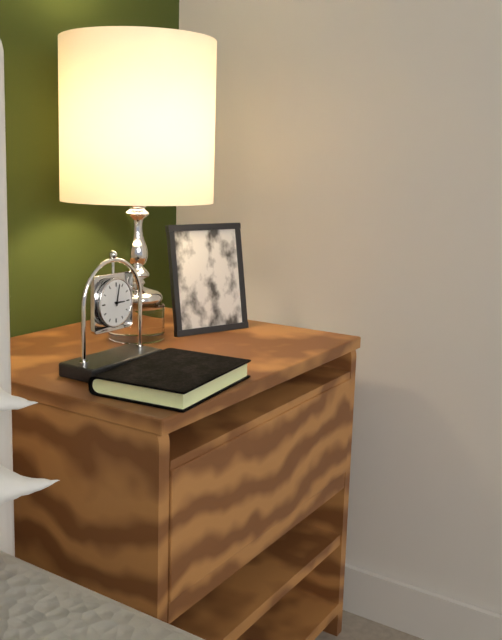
3h02
